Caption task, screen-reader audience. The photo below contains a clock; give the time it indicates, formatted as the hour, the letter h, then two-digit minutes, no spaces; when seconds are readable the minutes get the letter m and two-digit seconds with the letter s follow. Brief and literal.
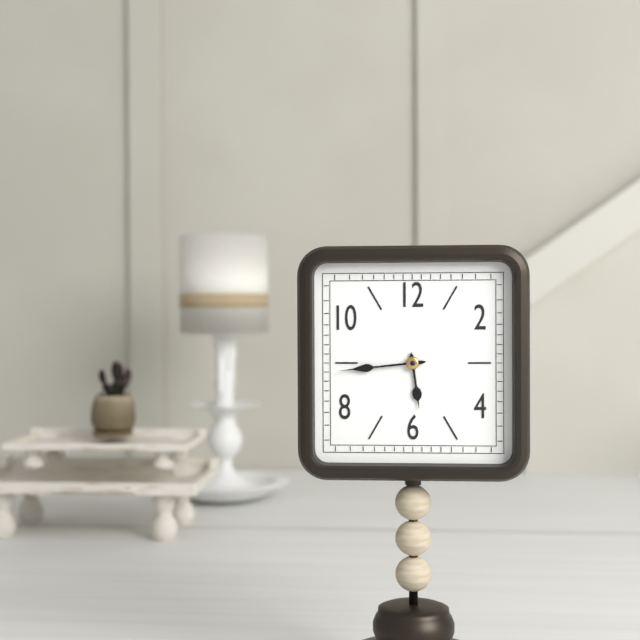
5h44
